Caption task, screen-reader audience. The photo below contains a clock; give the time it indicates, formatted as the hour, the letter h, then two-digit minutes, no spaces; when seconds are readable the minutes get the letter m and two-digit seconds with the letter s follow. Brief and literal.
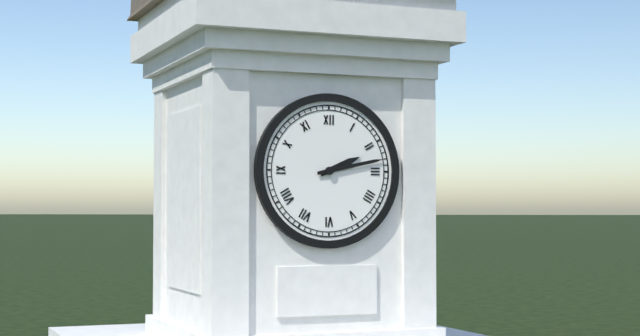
2h13
